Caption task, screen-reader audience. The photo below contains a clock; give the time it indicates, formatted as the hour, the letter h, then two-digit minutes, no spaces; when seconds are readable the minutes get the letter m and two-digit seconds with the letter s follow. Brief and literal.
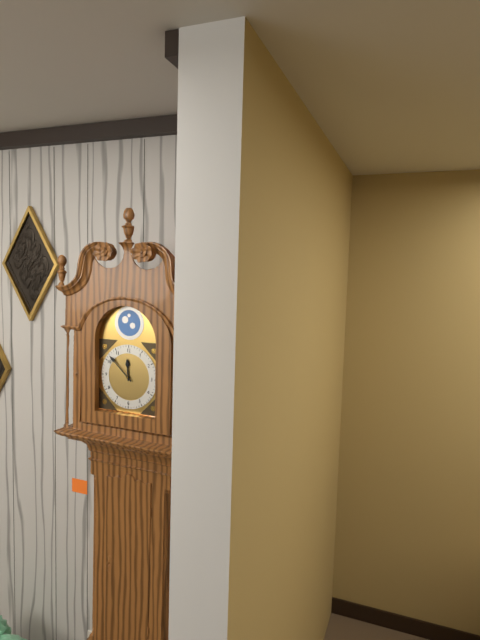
11h52
